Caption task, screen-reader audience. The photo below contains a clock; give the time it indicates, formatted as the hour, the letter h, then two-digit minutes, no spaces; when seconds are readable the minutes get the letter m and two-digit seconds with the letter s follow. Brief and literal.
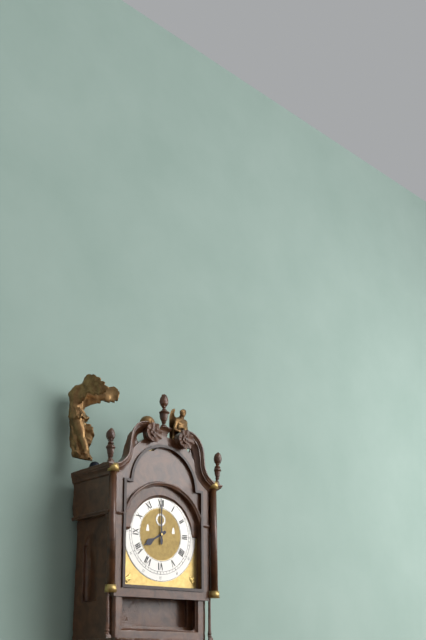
8h00
